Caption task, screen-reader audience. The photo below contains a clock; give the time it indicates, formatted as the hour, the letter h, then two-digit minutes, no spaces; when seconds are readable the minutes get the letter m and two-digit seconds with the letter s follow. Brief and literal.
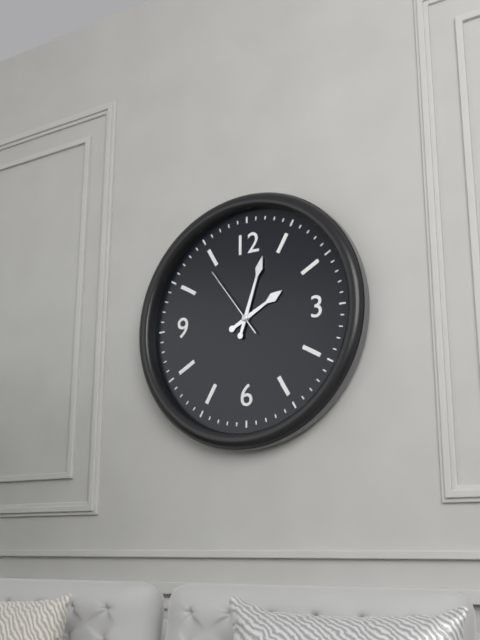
2h03m54s
